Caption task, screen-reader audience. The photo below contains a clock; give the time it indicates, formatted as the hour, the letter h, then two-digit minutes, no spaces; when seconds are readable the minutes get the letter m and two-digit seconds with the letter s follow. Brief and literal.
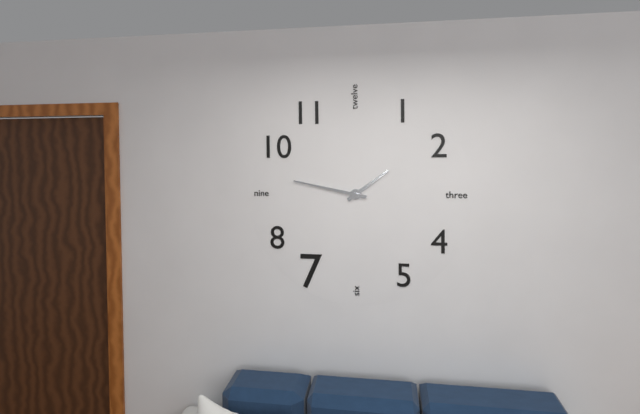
1h47
